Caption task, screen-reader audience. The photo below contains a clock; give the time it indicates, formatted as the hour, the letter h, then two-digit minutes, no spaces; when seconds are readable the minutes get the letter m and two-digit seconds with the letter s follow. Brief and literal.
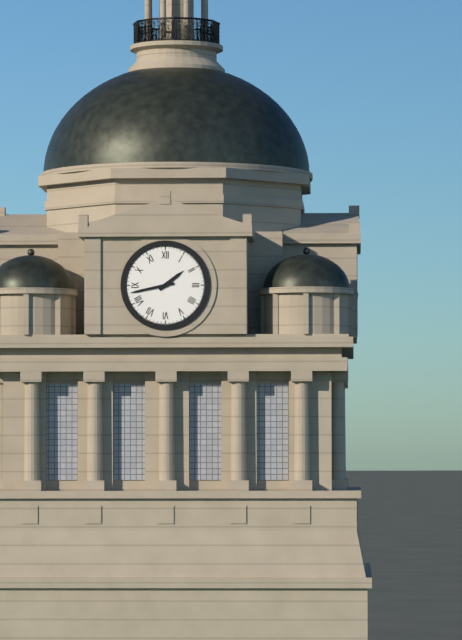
1h43
